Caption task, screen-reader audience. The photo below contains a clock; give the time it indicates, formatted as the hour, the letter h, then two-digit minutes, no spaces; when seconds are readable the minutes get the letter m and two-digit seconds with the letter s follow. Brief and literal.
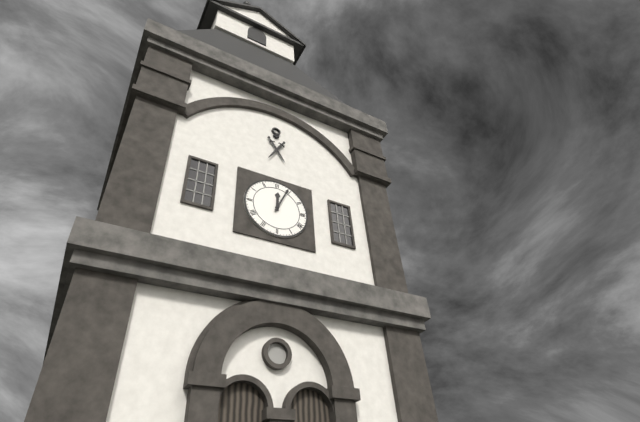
12h04
